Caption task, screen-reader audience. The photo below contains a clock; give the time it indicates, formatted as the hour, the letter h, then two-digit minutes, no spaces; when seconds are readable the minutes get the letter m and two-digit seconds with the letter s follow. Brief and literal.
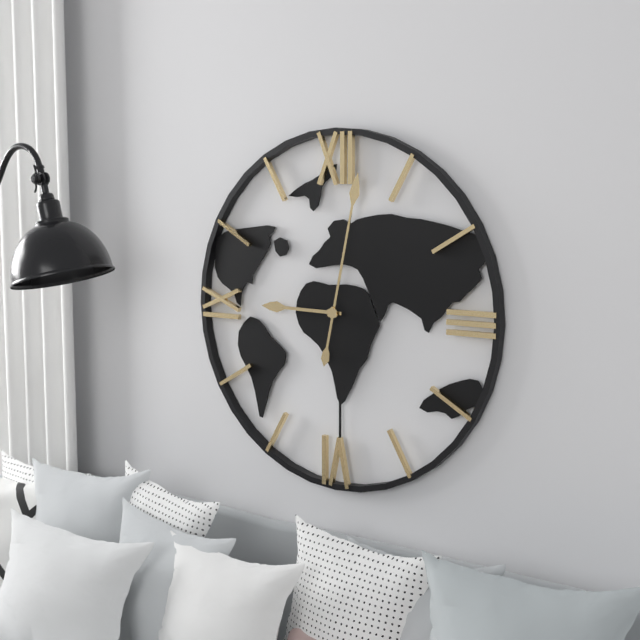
9h02
